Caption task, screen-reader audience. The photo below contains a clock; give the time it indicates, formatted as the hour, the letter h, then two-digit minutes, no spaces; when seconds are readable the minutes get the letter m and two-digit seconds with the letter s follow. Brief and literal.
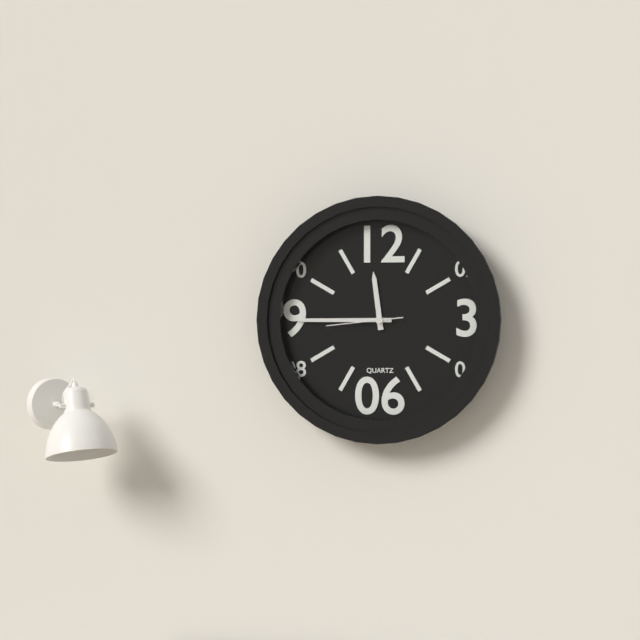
11h45m44s
